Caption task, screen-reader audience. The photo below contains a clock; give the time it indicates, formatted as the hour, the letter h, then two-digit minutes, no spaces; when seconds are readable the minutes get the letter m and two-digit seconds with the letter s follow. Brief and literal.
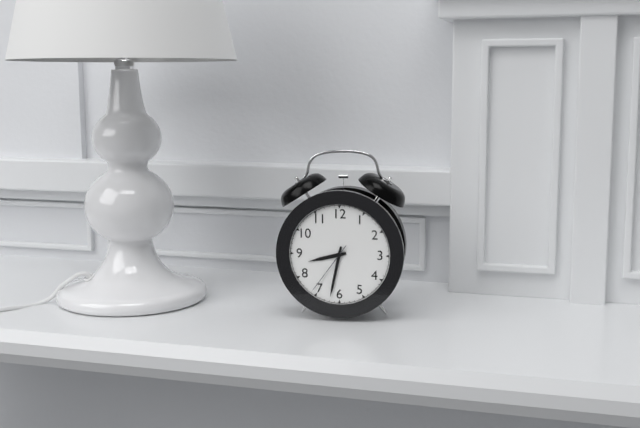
8h32m36s
